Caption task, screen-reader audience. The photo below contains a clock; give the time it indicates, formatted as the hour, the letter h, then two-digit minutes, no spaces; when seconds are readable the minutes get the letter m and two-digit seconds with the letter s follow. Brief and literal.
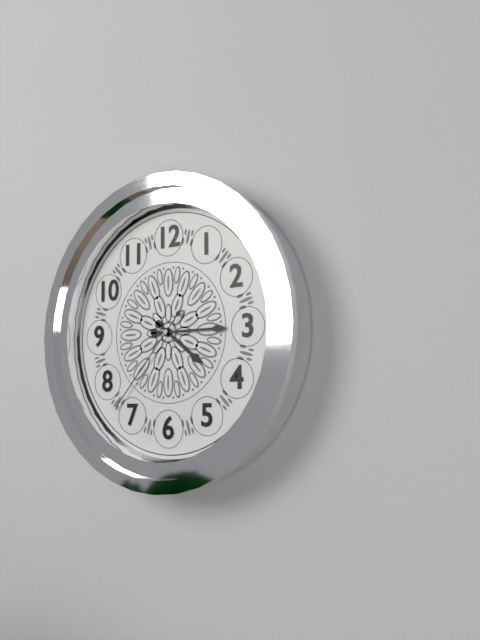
4h15m37s
